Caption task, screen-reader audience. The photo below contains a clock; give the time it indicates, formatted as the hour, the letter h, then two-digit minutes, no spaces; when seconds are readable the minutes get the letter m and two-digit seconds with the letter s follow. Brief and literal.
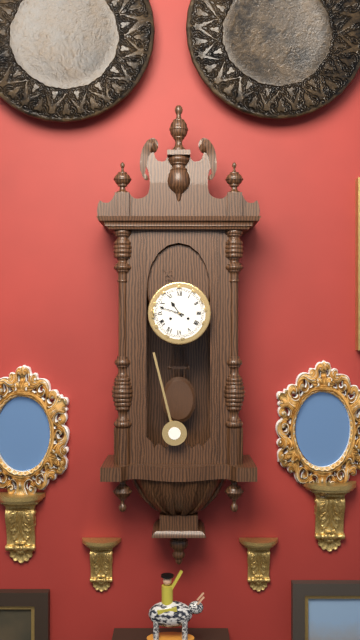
10h48
